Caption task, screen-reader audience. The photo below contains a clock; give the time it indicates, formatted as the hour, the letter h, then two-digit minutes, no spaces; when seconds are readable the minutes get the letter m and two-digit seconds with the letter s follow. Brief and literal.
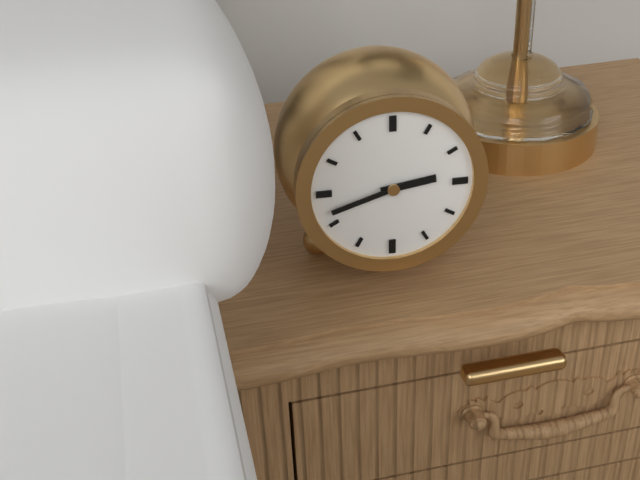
2h42
